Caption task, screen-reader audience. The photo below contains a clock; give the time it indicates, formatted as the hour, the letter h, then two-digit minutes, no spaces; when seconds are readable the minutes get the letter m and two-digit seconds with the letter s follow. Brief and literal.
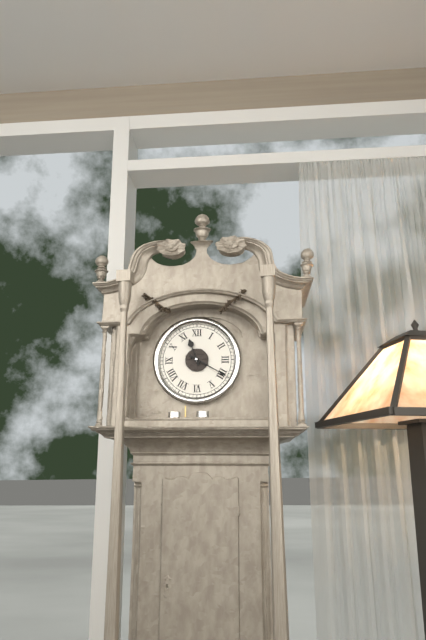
11h20
